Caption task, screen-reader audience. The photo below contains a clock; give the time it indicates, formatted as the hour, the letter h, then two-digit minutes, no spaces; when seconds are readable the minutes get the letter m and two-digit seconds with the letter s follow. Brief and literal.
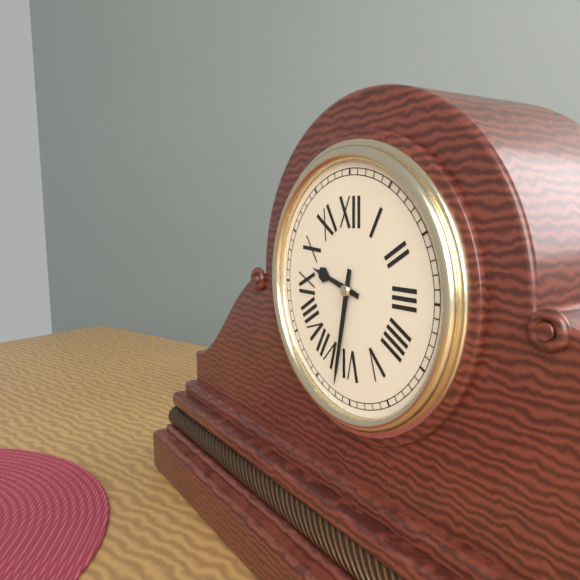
9h32
